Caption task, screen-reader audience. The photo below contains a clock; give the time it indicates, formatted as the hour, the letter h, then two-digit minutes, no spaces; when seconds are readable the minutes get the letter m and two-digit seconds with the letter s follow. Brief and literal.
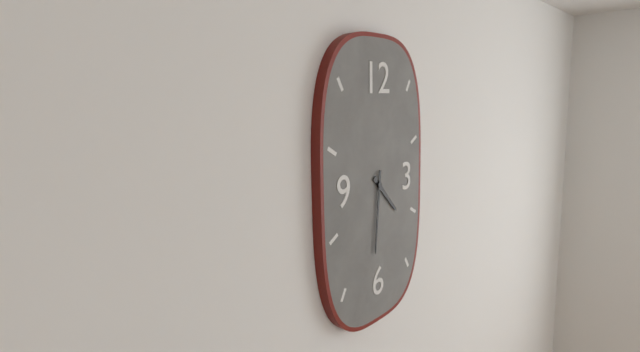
4h31
